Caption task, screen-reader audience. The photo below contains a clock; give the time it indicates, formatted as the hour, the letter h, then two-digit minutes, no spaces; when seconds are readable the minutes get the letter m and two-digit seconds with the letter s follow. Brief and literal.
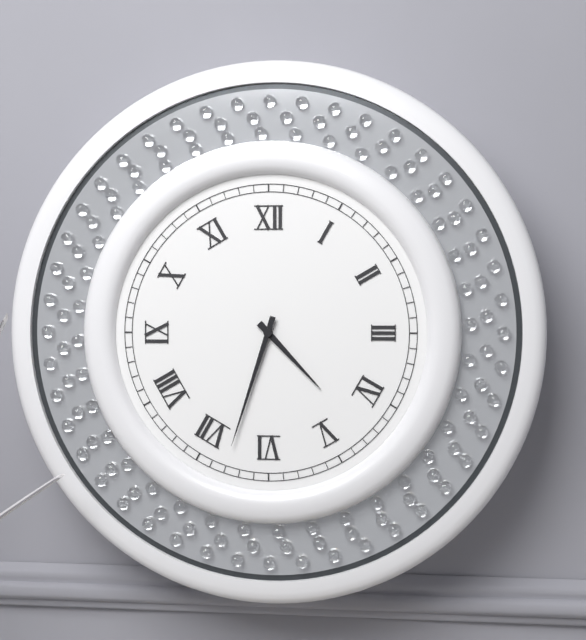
4h33
